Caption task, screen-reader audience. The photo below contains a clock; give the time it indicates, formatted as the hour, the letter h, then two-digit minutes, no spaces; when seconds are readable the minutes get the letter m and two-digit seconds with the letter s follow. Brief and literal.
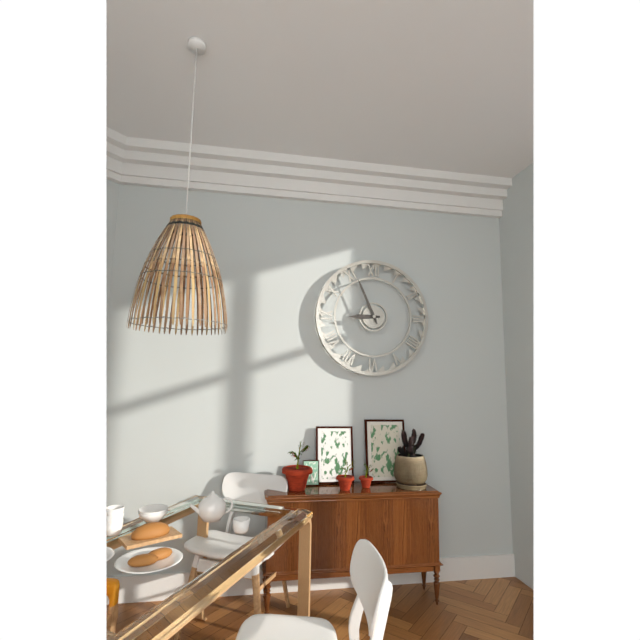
8h56
